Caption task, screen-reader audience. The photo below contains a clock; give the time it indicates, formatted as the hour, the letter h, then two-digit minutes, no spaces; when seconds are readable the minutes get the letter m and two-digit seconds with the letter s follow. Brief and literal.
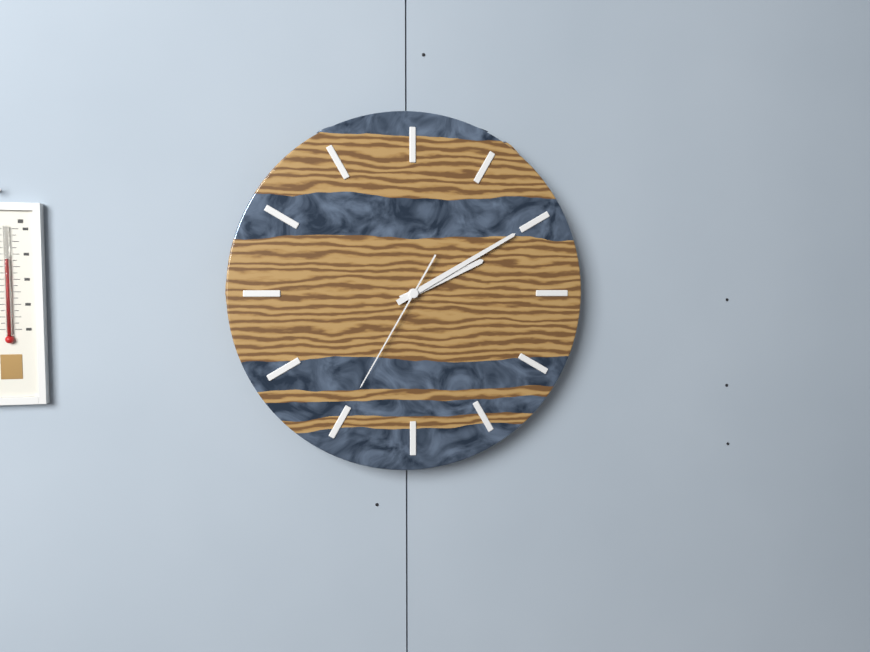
2h10m35s
